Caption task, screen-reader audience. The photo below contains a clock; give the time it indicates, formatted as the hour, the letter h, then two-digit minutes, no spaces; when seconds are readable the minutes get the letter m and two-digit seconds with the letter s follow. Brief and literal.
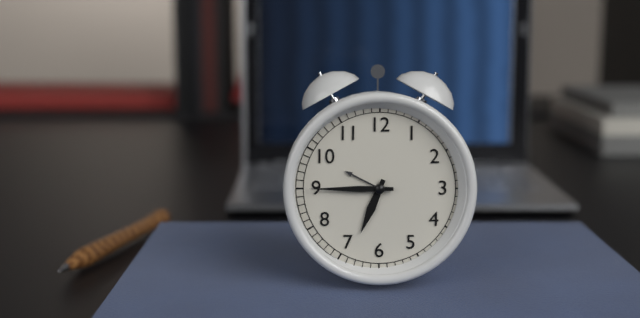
6h45
